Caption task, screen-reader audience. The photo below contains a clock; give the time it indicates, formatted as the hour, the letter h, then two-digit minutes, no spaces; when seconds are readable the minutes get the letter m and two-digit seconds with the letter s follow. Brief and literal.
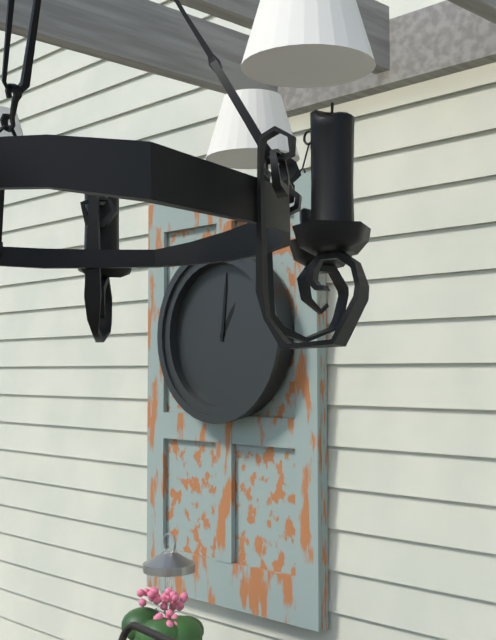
1h01
